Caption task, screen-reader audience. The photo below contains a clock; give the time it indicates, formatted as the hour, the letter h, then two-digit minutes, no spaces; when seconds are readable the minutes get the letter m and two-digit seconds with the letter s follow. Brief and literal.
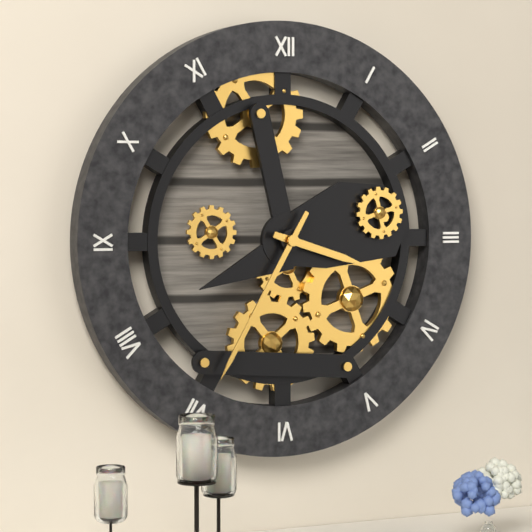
3h35
